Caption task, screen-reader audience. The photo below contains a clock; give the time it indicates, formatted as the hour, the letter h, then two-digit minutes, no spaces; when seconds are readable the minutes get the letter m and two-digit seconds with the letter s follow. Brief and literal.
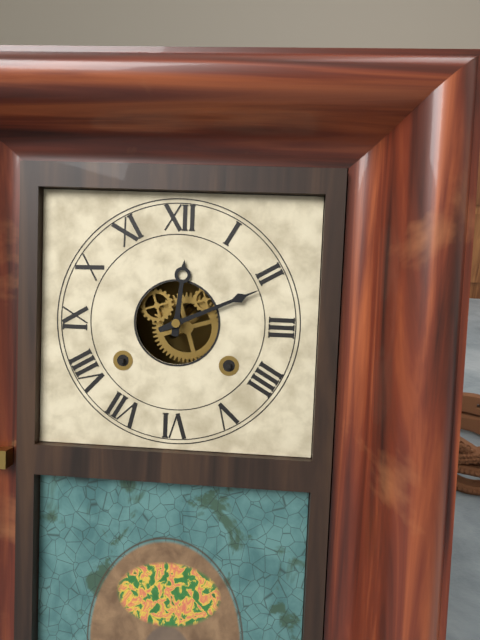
12h11
